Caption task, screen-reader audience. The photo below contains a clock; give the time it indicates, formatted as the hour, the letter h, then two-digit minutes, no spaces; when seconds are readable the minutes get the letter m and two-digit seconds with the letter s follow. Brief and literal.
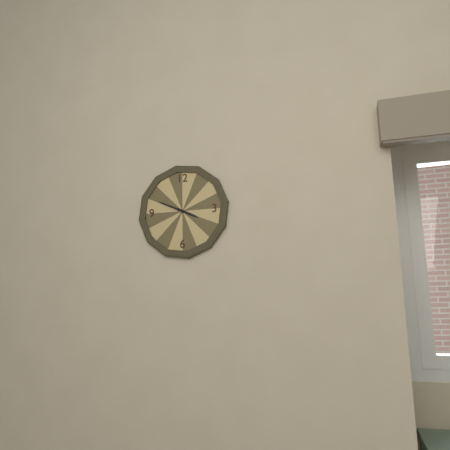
3h49
